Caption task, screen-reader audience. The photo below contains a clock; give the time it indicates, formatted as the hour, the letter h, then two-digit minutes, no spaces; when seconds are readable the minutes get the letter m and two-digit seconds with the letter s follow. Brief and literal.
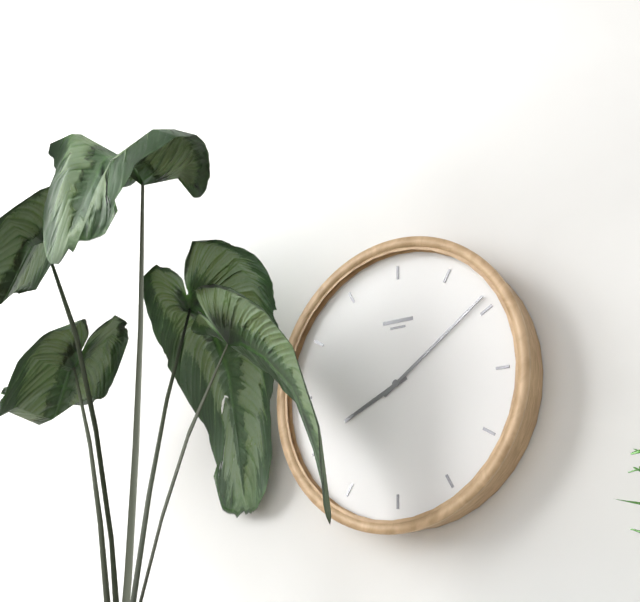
8h09
